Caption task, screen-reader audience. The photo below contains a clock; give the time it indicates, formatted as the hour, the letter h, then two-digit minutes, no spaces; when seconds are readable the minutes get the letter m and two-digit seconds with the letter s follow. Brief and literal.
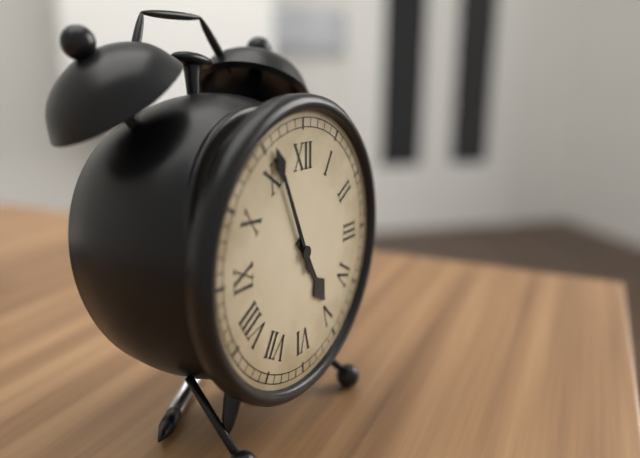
4h56
